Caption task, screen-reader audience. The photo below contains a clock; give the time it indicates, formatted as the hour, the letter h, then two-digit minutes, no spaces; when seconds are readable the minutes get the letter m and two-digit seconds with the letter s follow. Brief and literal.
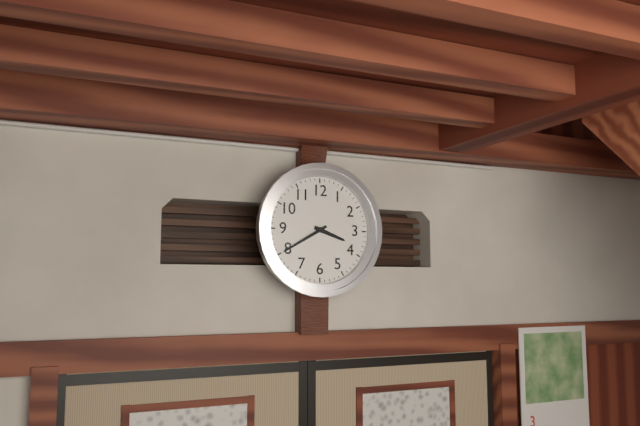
3h40
